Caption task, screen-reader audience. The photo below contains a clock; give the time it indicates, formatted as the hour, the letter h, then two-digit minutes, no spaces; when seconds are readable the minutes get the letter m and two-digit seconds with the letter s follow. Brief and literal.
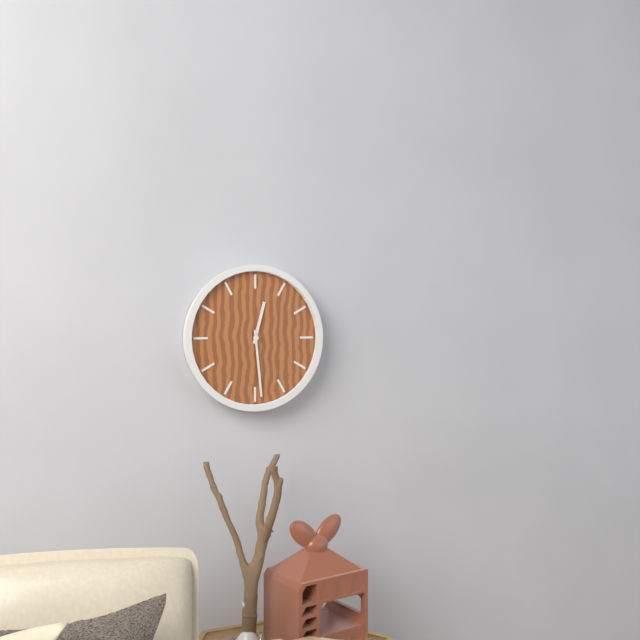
12h29
